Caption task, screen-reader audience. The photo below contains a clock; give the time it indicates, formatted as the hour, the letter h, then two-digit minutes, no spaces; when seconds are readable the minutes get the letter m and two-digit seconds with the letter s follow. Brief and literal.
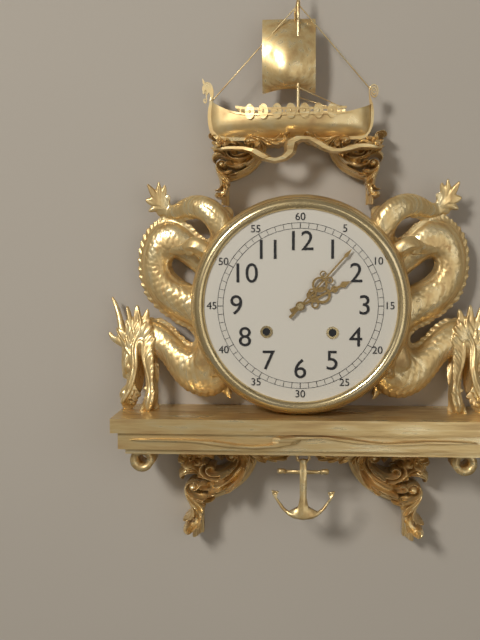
2h07
